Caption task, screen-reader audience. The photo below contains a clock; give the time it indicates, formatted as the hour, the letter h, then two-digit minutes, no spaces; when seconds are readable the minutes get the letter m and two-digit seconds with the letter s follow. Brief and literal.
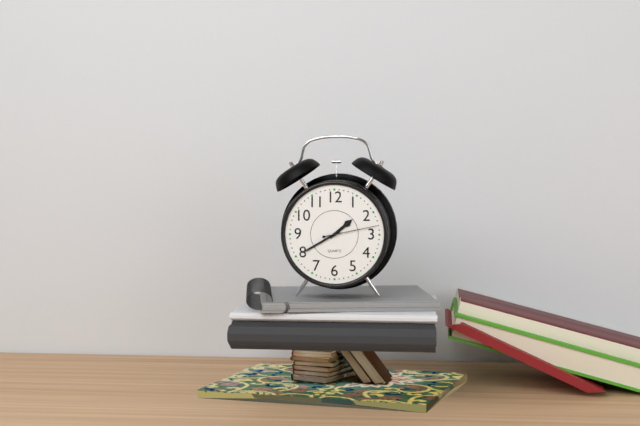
1h40m13s
